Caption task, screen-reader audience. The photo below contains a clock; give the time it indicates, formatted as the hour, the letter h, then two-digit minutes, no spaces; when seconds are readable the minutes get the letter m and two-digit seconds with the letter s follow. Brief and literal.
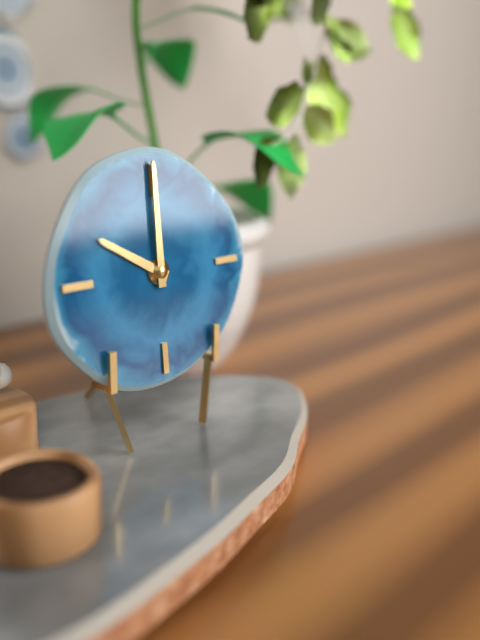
10h00
